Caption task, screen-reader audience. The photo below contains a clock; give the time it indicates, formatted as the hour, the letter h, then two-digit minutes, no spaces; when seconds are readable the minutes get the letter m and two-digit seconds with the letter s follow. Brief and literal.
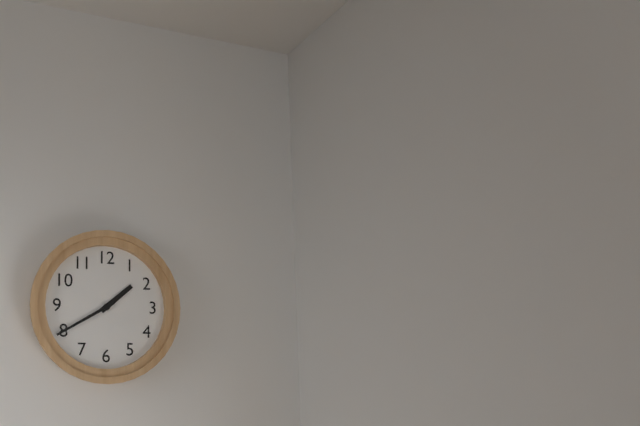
1h40
